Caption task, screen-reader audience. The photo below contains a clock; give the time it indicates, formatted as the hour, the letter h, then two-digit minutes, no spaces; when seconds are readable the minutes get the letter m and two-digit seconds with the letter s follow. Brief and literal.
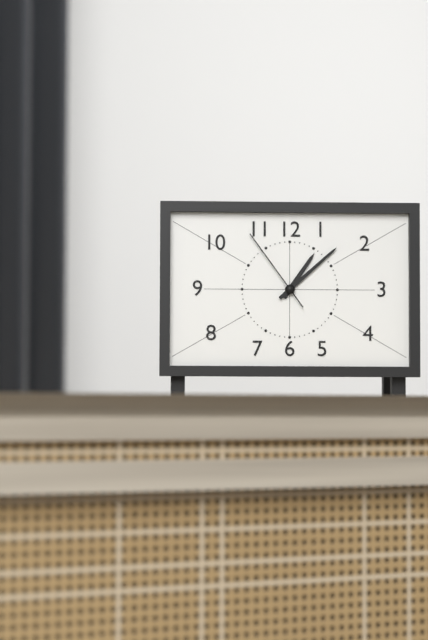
1h08m54s
